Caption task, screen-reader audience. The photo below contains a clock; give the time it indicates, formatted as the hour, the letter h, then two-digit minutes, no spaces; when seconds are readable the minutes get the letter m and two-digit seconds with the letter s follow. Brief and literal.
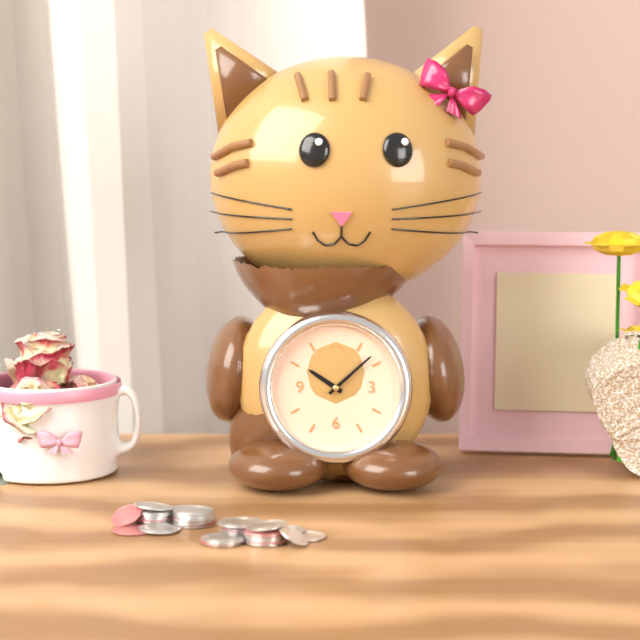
10h08
